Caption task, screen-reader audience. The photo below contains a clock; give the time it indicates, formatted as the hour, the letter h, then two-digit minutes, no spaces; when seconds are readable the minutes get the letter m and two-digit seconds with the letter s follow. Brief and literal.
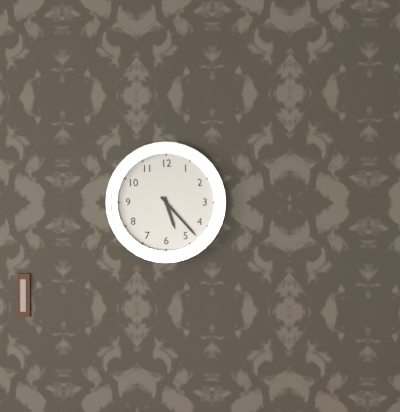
5h23
